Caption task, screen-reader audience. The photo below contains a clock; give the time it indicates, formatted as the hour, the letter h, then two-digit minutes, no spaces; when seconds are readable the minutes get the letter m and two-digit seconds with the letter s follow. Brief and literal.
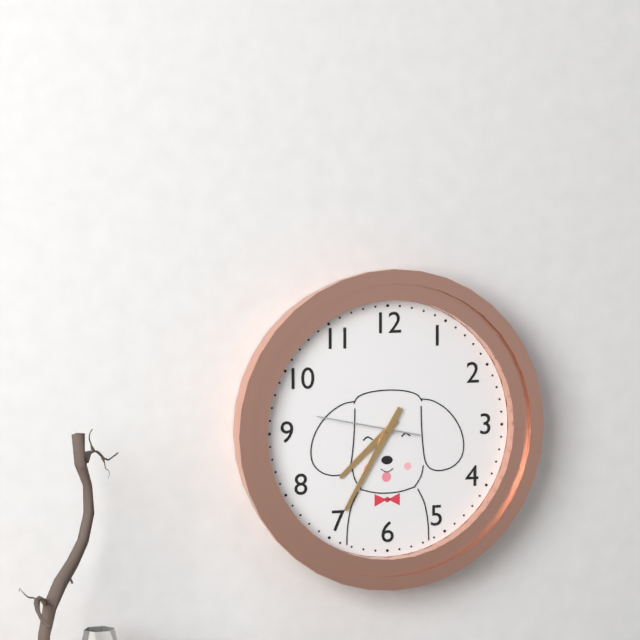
7h35m47s
